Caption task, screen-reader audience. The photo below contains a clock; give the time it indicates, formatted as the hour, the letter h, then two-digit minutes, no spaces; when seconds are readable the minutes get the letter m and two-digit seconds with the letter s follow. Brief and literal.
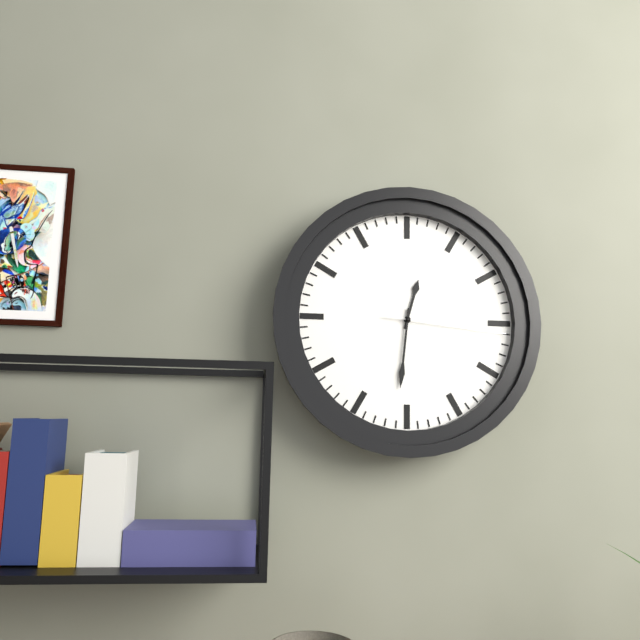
12h31m16s
